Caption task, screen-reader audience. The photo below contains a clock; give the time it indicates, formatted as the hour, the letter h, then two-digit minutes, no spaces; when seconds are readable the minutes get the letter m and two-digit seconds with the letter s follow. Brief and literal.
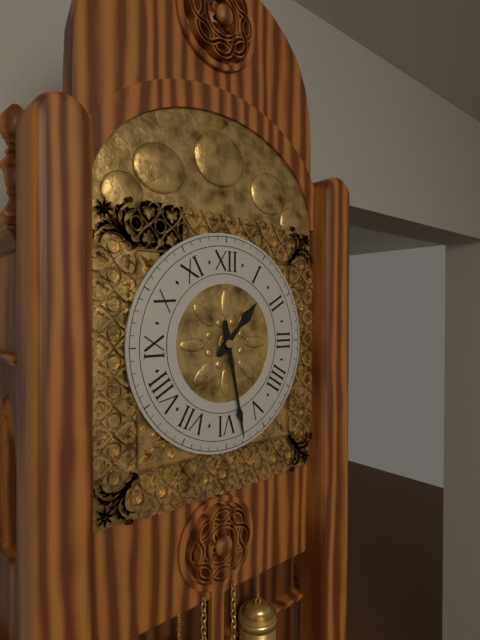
1h28
